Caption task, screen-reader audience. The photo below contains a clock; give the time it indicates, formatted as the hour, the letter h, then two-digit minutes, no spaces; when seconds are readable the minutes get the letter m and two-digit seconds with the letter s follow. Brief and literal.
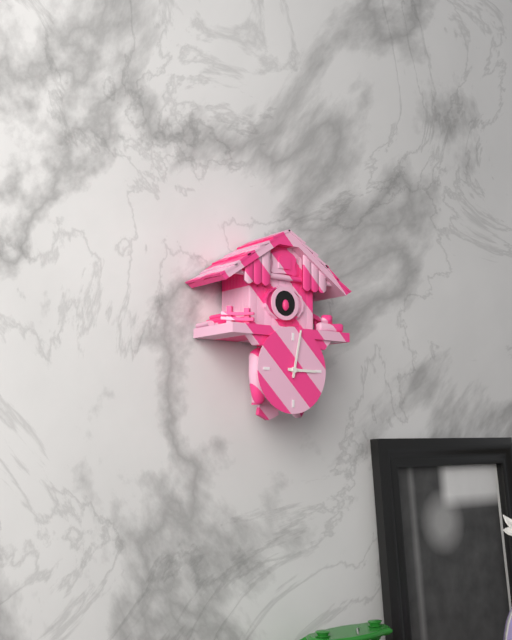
3h02
